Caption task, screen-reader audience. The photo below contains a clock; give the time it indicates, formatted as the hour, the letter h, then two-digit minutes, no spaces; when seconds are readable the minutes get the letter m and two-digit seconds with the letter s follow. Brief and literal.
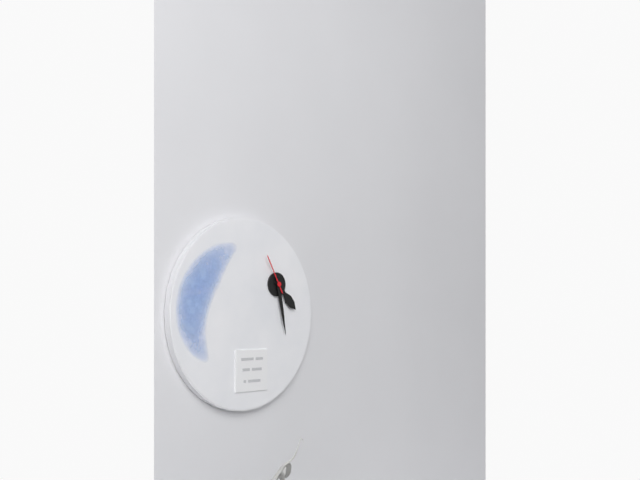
4h28
